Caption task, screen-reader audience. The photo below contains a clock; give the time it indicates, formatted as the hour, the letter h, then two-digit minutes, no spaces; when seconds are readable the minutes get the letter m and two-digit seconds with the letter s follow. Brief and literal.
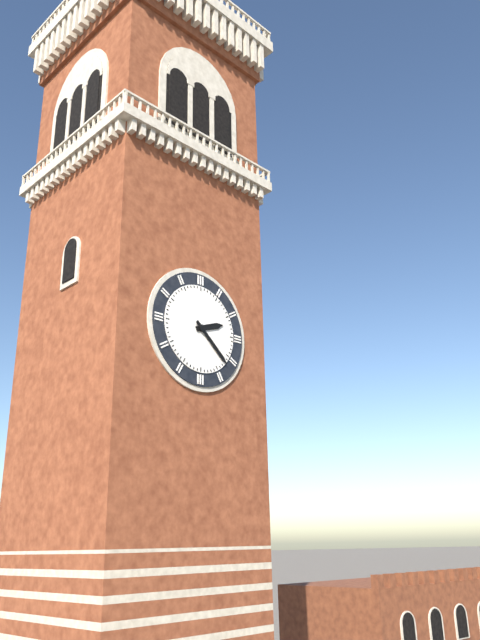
2h22
